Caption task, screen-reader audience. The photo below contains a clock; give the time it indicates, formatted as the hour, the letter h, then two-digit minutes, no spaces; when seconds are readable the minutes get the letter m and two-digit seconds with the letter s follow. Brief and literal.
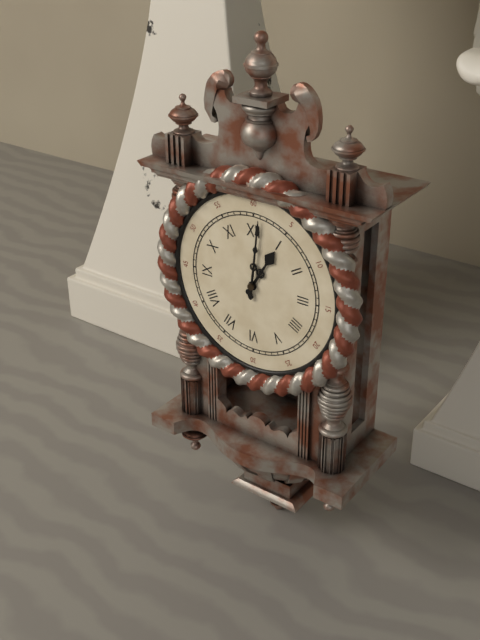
1h01
